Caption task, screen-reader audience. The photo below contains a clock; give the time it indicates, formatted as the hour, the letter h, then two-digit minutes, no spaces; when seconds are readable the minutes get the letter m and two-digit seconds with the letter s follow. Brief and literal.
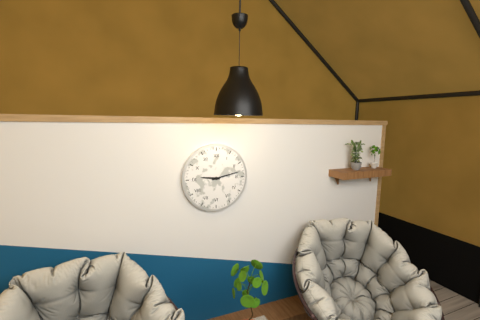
9h13
